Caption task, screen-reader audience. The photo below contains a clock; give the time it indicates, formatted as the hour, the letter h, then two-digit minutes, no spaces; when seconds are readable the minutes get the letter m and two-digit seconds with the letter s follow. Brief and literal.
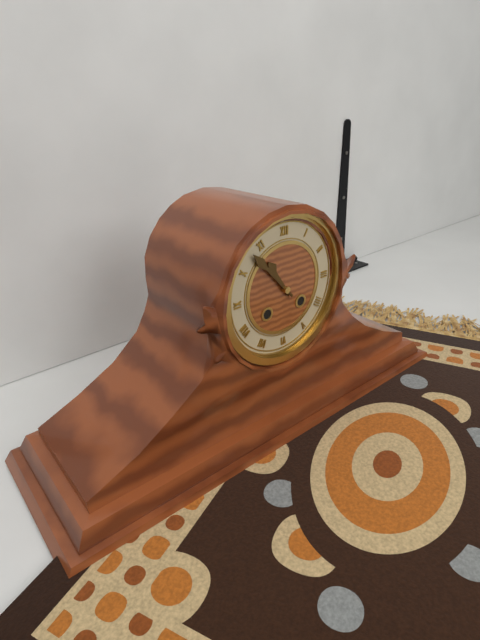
10h53
